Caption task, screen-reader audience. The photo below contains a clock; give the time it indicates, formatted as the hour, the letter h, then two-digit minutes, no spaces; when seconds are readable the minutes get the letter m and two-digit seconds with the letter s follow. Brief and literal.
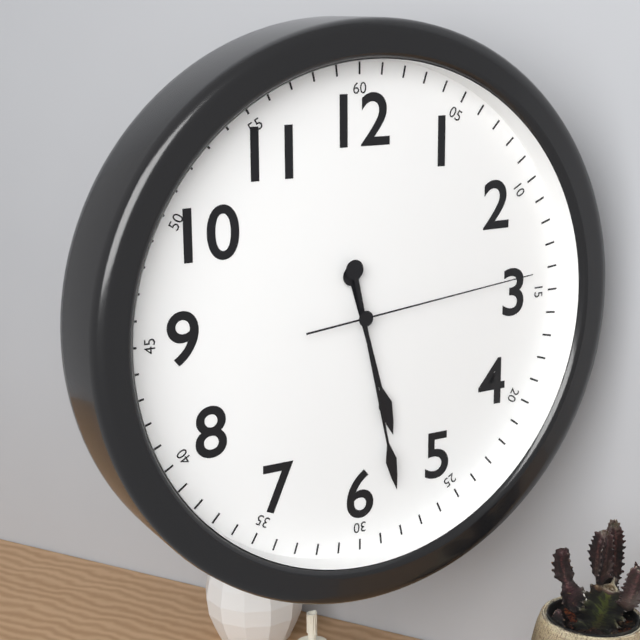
5h28m14s
